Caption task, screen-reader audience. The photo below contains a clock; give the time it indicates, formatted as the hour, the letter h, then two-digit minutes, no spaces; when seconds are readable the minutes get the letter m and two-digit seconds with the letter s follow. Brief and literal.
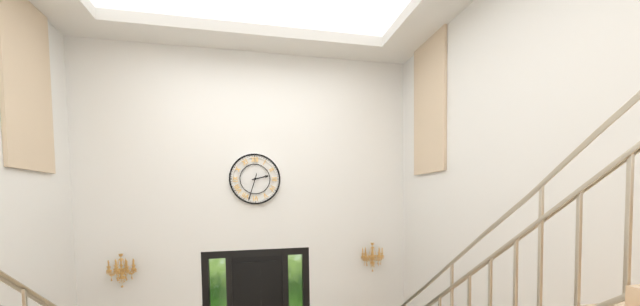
2h33
